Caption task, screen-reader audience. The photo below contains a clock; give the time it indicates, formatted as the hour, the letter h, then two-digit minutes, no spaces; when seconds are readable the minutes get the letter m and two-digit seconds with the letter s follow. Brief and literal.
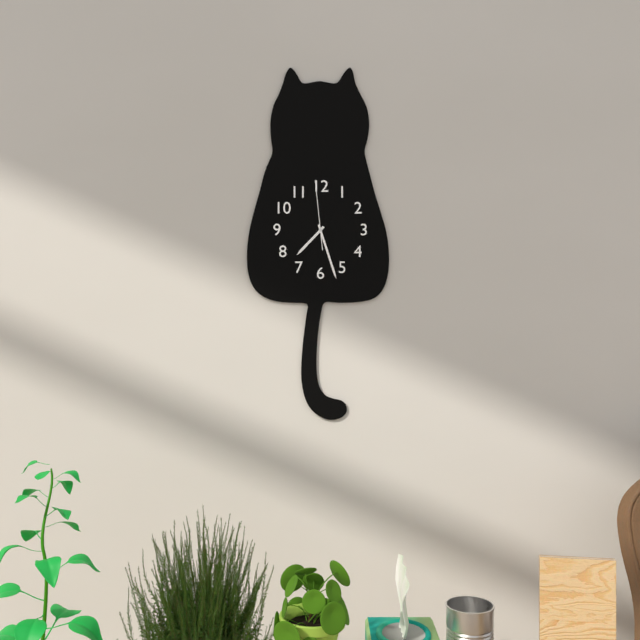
7h27m59s
